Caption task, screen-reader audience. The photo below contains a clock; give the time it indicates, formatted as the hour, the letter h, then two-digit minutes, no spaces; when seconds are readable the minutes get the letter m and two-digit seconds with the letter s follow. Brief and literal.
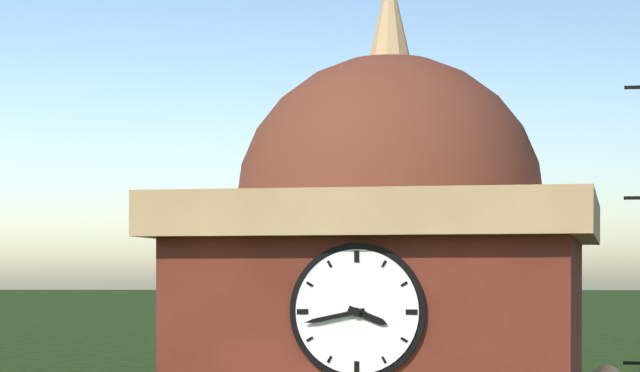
3h43
